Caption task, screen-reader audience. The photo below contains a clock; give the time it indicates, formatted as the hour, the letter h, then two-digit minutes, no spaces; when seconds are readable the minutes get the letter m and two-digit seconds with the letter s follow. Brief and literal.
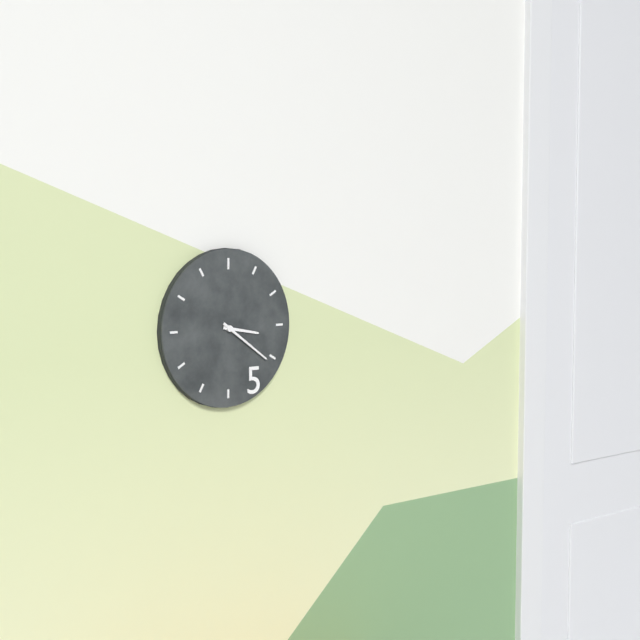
3h21
